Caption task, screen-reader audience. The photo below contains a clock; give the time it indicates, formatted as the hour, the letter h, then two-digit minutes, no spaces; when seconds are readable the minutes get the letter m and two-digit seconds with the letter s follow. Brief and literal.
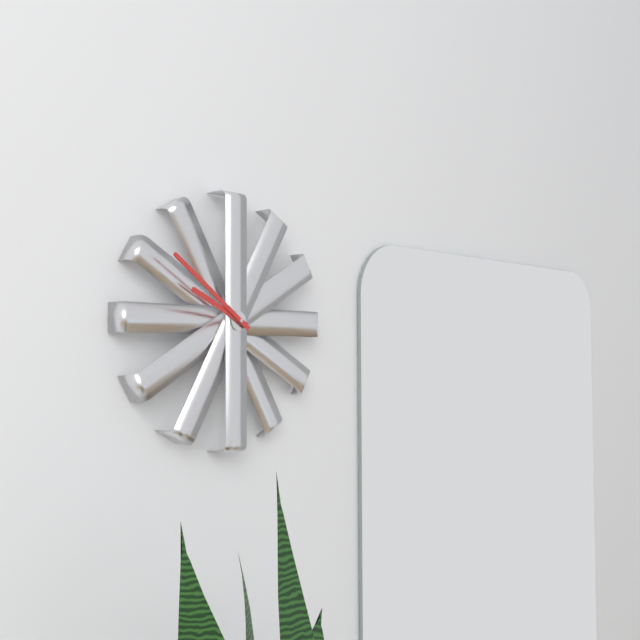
9h51
